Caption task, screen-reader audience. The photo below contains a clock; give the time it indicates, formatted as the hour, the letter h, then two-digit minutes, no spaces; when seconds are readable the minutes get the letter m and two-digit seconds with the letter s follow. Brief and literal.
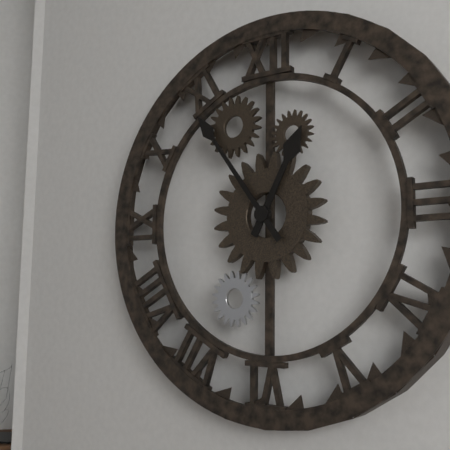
12h54
